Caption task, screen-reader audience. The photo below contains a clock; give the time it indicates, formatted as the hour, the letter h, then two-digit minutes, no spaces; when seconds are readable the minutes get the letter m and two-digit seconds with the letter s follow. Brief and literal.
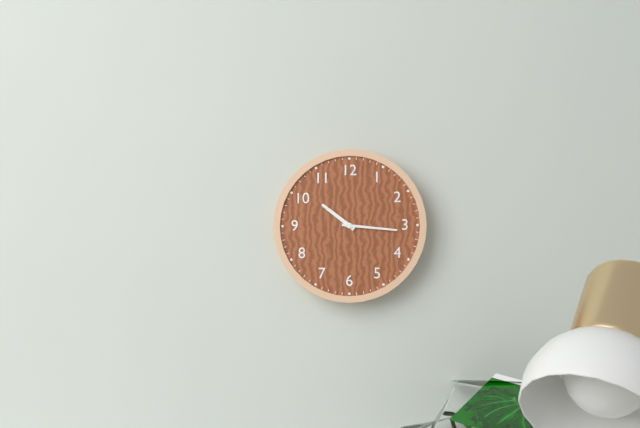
10h16
